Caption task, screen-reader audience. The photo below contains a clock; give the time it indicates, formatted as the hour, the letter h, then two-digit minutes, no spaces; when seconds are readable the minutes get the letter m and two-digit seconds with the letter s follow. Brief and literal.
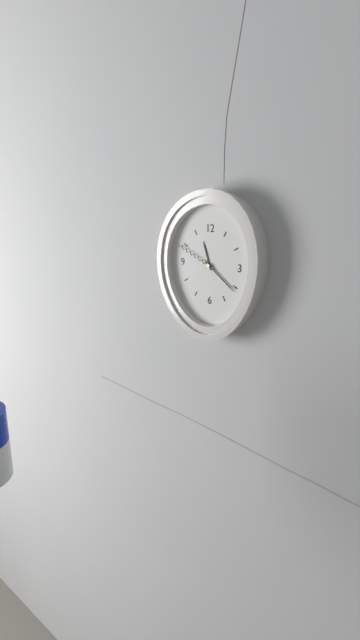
11h21
